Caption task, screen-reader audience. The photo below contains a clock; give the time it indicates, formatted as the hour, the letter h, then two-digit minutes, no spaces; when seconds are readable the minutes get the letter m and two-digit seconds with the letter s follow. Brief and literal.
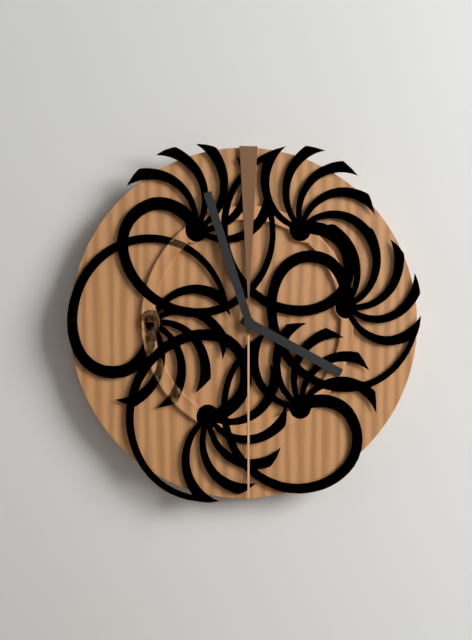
3h57
